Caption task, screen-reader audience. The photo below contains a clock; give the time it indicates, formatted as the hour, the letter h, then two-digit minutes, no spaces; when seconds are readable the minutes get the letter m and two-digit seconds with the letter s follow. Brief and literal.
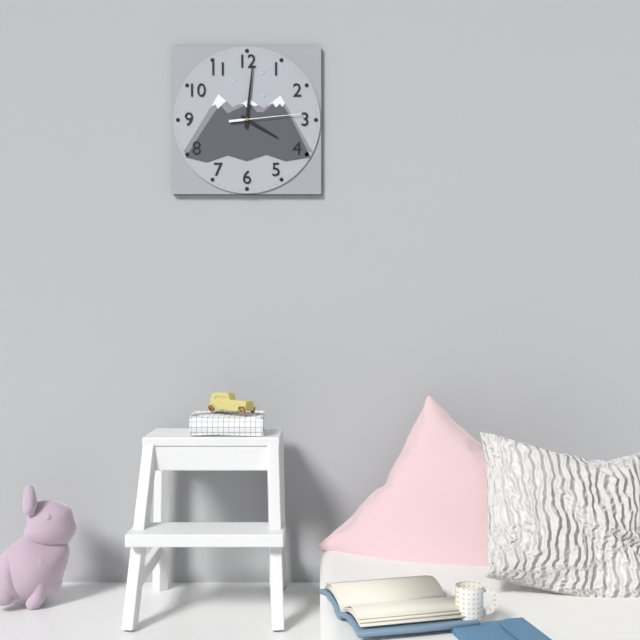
4h01m14s
